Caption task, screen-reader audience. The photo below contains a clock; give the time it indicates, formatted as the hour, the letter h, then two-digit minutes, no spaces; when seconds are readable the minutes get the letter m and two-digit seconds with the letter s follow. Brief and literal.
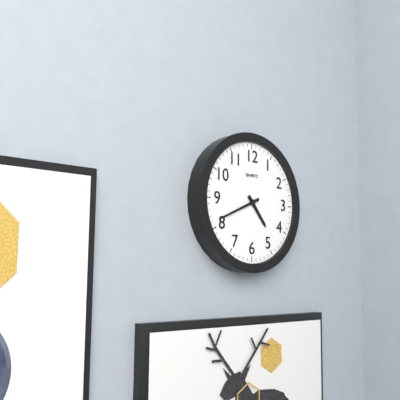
4h41
